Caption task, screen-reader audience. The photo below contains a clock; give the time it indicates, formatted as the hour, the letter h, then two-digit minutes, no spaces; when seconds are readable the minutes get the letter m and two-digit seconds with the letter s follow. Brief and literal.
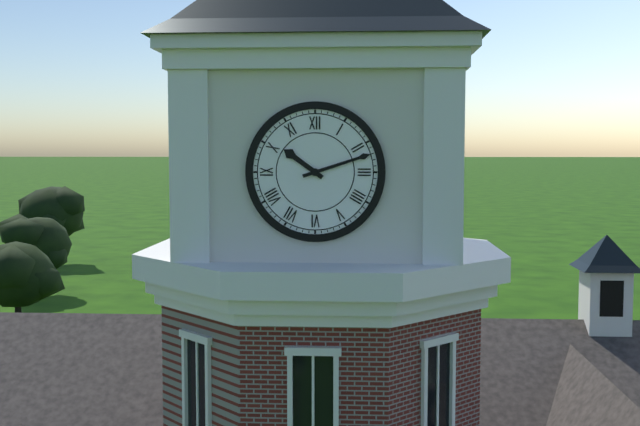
10h12
